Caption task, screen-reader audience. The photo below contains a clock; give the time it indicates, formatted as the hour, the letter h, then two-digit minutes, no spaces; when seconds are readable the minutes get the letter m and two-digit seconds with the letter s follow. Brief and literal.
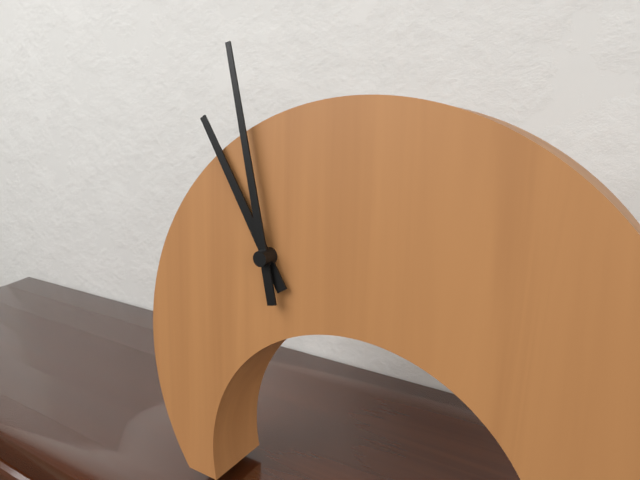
10h58
